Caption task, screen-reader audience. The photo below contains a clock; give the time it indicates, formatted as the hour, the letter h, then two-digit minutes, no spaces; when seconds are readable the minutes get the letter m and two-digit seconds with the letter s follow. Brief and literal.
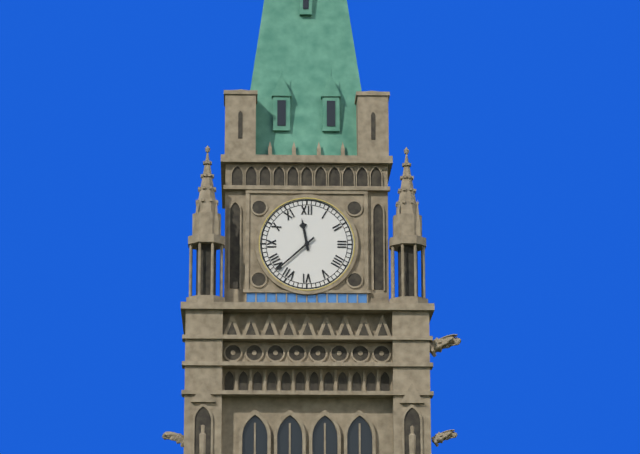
11h38
